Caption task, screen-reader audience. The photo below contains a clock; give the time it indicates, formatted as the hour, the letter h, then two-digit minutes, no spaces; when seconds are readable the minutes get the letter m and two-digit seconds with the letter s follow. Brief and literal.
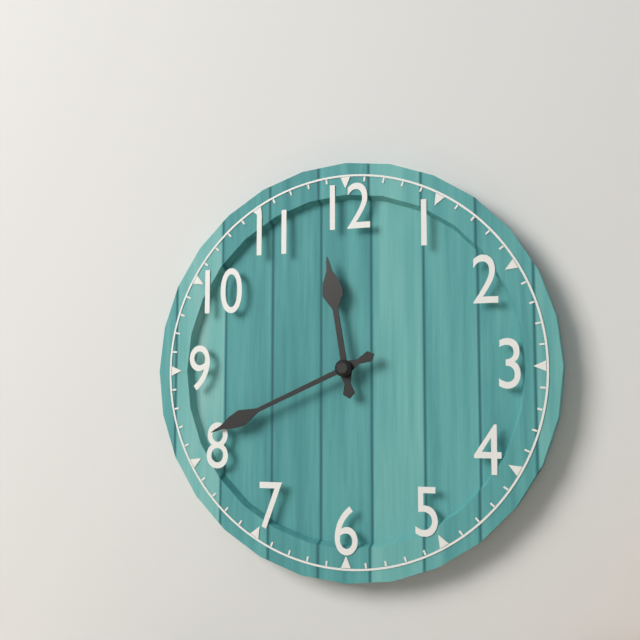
11h41
